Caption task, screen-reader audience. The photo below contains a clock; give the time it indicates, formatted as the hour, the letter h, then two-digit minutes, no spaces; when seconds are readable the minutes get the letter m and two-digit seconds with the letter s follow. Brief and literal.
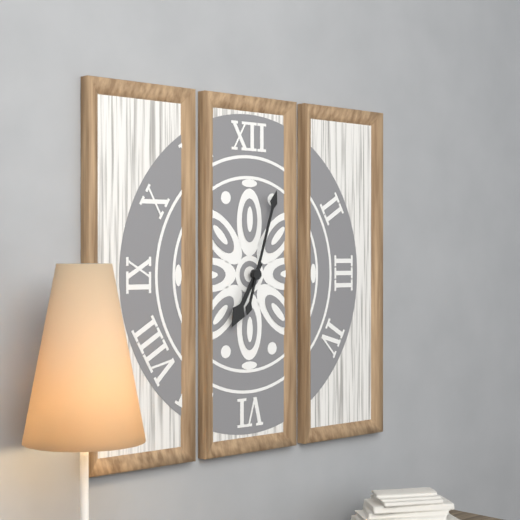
7h03
